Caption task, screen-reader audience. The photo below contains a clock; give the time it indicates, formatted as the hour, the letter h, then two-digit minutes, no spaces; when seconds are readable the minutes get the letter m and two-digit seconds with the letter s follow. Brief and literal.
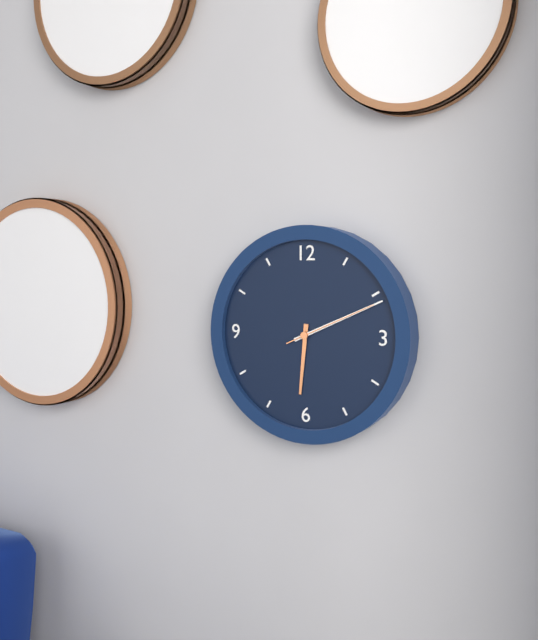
6h11m11s
